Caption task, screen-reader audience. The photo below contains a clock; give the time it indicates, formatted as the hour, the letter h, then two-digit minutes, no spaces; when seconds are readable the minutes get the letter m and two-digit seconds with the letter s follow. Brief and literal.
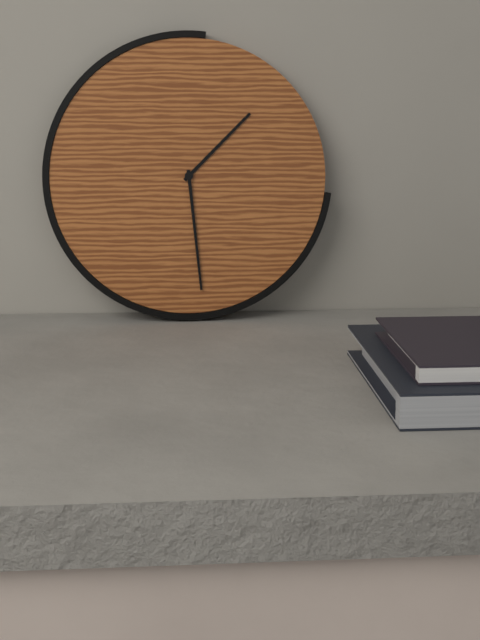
1h29
